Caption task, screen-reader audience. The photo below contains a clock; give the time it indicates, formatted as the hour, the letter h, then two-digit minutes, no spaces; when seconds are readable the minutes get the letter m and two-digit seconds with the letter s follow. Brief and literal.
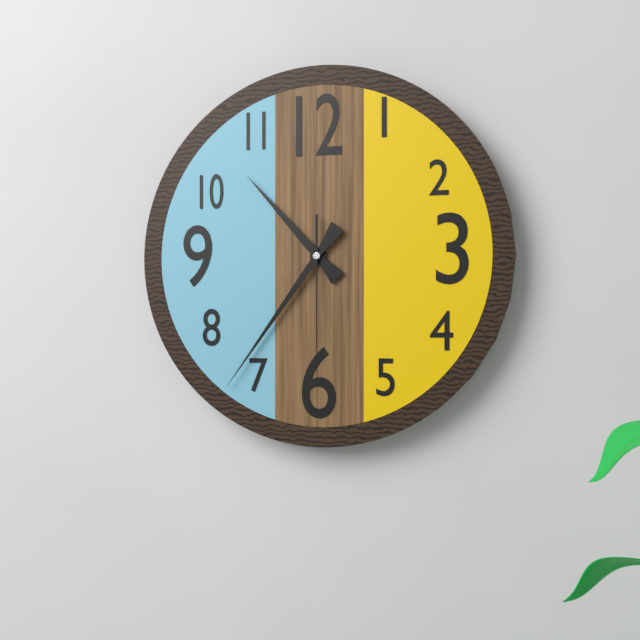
10h36m30s
